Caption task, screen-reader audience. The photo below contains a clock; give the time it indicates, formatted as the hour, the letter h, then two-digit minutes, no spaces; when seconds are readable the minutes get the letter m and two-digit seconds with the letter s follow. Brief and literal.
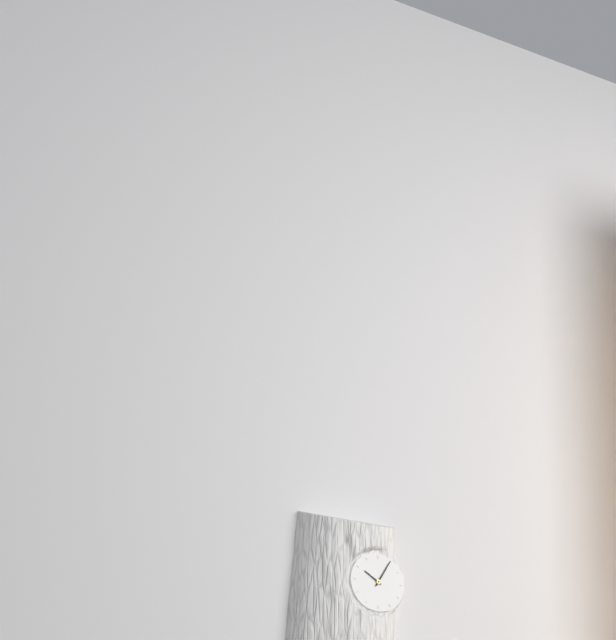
10h05
